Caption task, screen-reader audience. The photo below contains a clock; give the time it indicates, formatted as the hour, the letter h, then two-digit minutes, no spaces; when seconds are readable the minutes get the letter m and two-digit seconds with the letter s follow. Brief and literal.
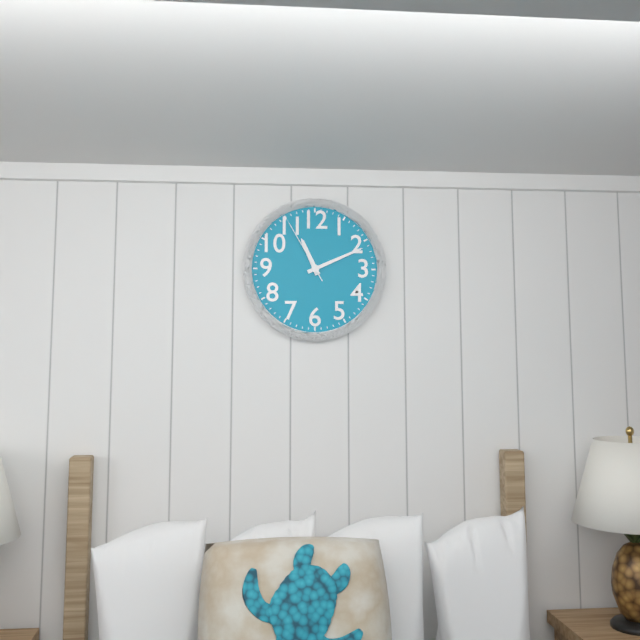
11h11m55s
